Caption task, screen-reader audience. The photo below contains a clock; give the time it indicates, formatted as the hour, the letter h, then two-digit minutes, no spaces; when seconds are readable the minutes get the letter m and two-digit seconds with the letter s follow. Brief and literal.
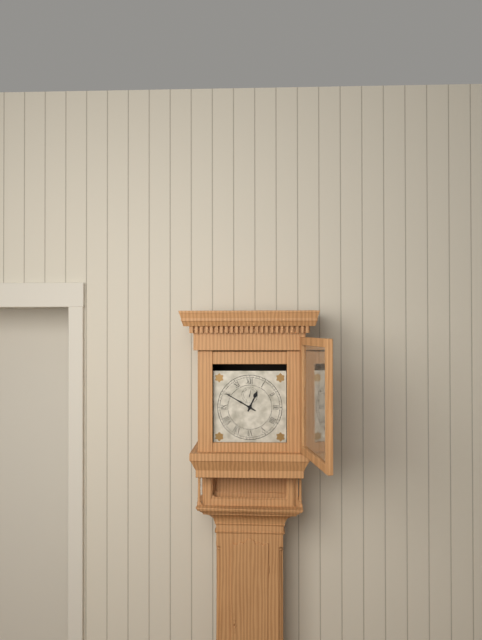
12h50
